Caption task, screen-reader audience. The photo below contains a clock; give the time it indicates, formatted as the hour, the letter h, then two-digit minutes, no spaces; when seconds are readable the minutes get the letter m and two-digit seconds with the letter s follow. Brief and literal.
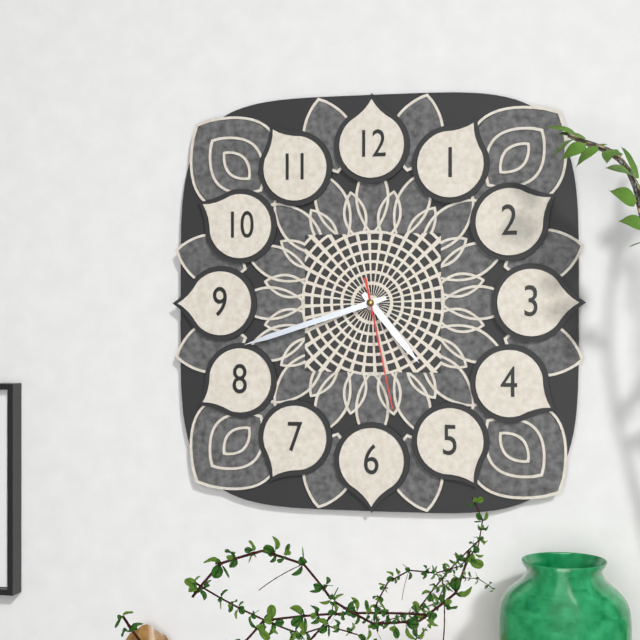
4h42m28s
